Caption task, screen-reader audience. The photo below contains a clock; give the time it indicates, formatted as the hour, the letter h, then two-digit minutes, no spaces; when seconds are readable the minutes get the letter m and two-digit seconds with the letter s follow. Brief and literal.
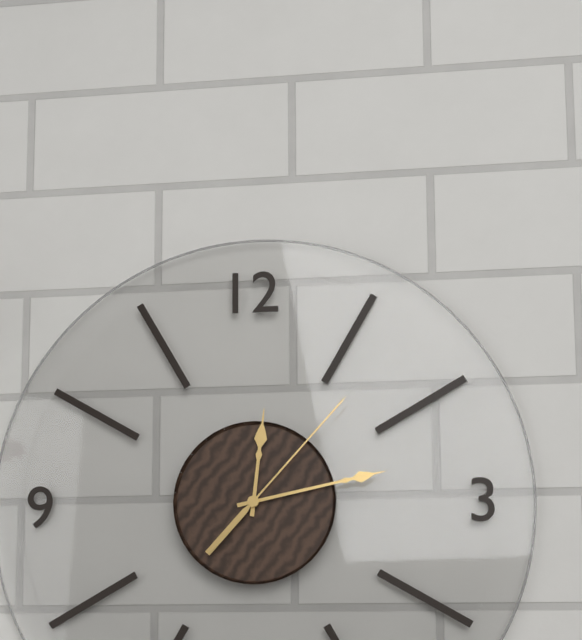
12h13m07s
